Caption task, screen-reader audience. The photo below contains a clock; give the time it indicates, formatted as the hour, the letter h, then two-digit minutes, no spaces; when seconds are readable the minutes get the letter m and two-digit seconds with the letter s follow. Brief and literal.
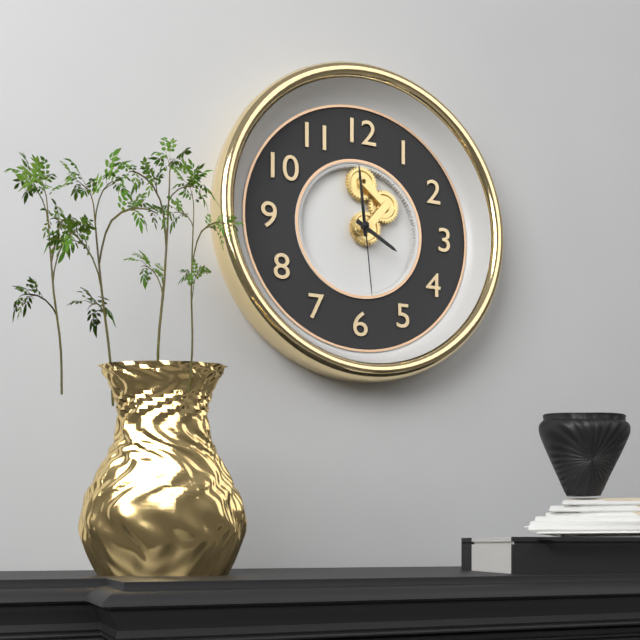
3h59m29s
